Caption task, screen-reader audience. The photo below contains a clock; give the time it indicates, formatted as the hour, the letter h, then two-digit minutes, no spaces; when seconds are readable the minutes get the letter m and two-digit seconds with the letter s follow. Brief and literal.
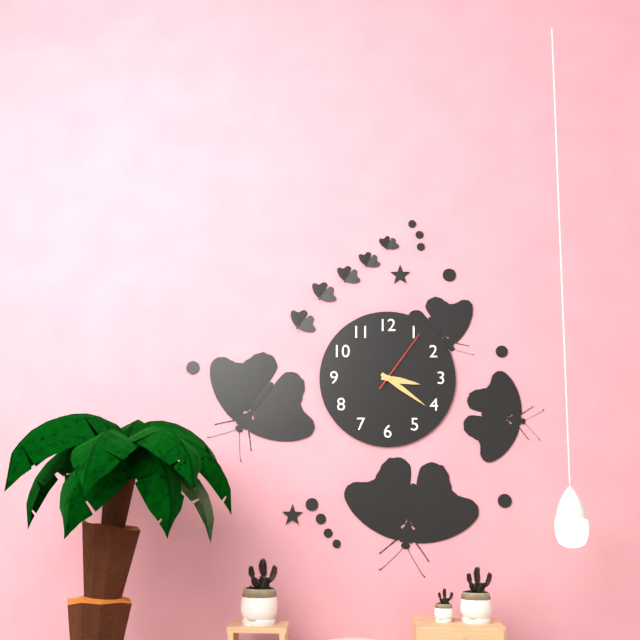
3h21m06s
